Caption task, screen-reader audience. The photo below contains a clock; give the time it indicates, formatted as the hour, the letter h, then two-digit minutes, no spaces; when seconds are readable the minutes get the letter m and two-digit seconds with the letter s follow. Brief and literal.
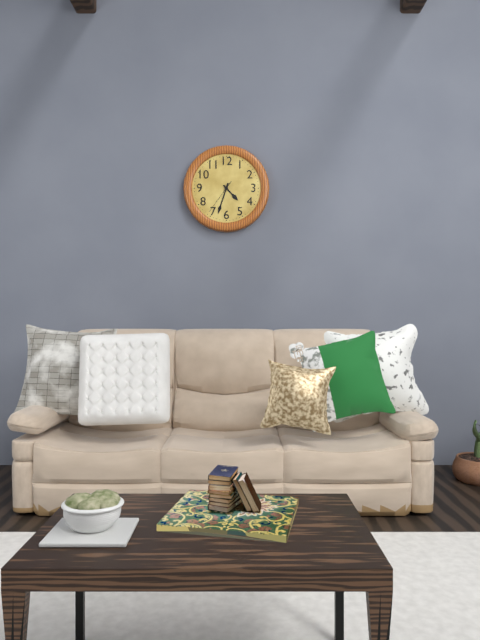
4h33
